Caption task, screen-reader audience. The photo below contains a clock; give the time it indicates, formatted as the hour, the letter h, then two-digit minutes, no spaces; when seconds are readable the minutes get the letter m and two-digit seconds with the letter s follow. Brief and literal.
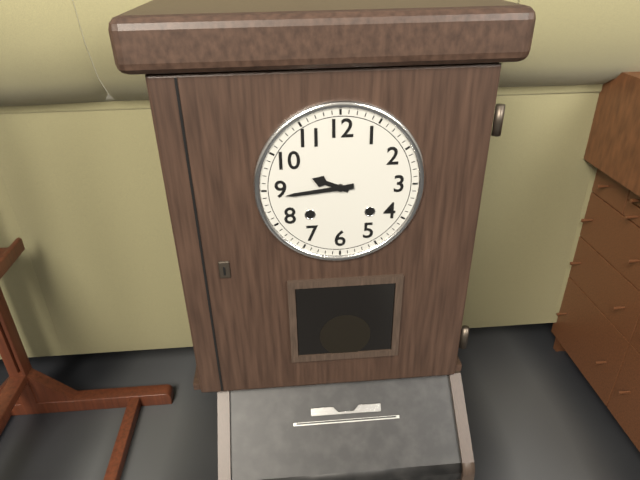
9h44
